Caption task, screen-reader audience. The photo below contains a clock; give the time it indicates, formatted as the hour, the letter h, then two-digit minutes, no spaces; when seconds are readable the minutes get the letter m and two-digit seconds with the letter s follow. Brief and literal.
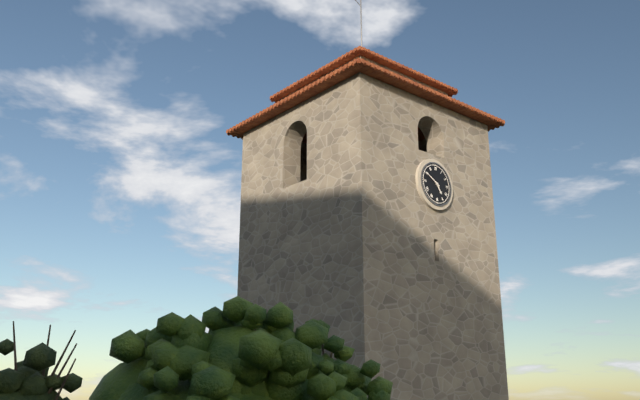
4h50
